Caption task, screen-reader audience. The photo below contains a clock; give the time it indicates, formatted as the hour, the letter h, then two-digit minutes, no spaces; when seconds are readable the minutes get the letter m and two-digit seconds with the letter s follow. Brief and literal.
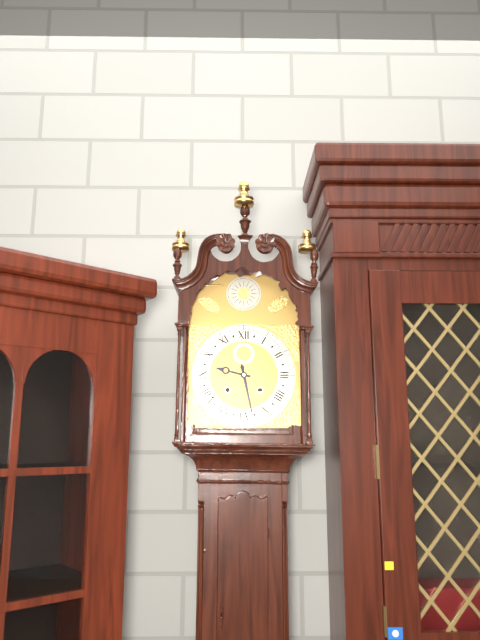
9h28
